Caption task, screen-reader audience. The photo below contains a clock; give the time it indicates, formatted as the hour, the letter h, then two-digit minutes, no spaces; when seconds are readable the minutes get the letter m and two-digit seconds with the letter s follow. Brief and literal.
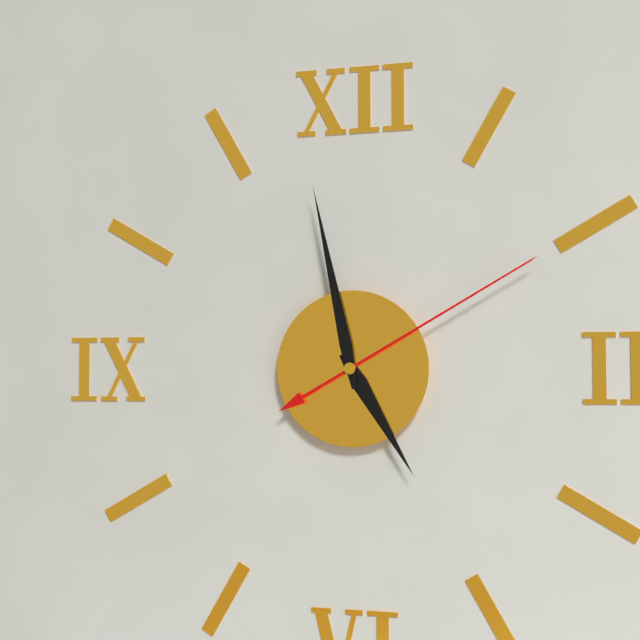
4h58m10s
